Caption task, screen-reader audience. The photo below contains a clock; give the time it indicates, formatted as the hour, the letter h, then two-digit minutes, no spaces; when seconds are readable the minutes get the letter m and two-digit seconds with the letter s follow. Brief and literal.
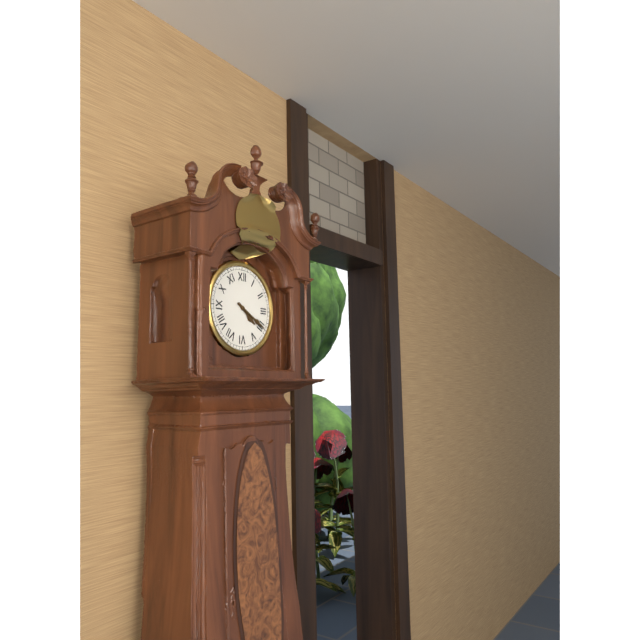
4h20
